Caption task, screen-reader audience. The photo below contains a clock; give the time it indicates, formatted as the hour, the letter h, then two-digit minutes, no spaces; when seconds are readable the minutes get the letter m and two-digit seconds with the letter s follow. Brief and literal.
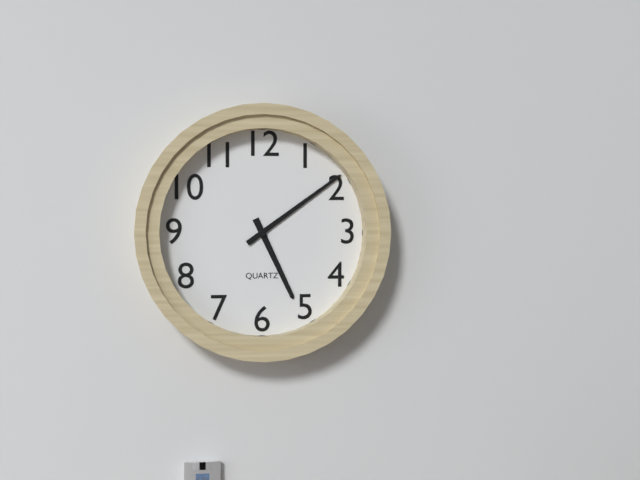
5h09
